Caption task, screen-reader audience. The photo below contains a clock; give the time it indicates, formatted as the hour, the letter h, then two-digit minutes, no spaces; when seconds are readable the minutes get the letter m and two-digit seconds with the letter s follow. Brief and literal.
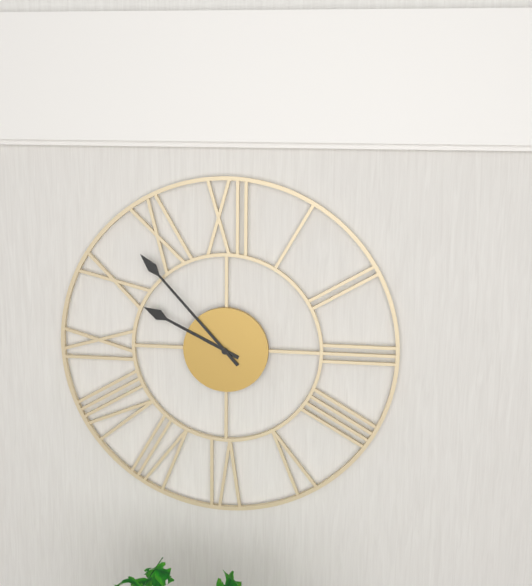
9h53
